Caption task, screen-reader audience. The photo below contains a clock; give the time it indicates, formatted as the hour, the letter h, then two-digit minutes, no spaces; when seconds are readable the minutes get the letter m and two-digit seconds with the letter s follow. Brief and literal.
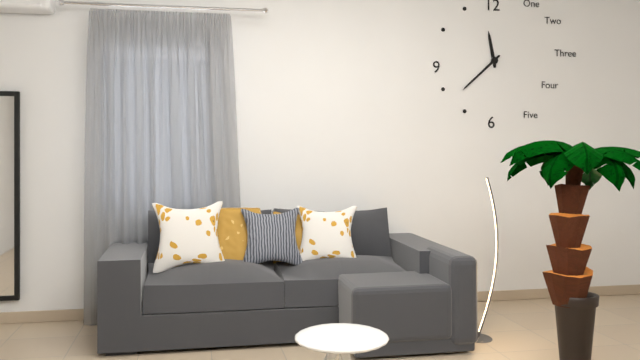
11h38
